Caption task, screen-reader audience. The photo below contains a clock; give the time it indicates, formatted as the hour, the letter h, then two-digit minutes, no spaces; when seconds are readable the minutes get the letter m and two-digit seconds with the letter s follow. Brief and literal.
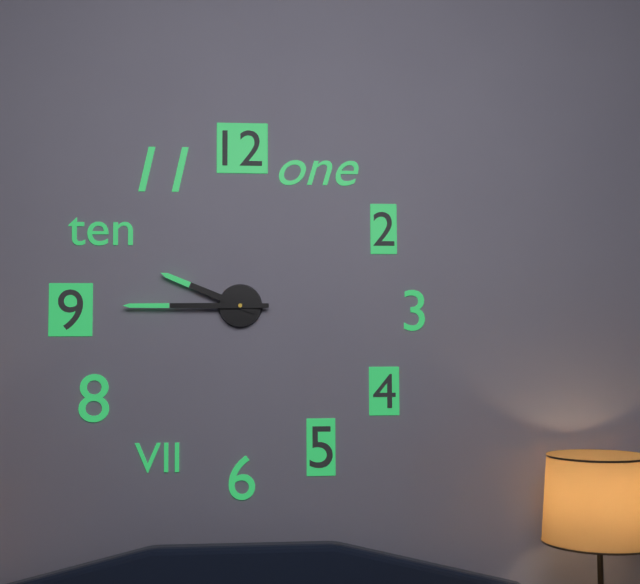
9h45
